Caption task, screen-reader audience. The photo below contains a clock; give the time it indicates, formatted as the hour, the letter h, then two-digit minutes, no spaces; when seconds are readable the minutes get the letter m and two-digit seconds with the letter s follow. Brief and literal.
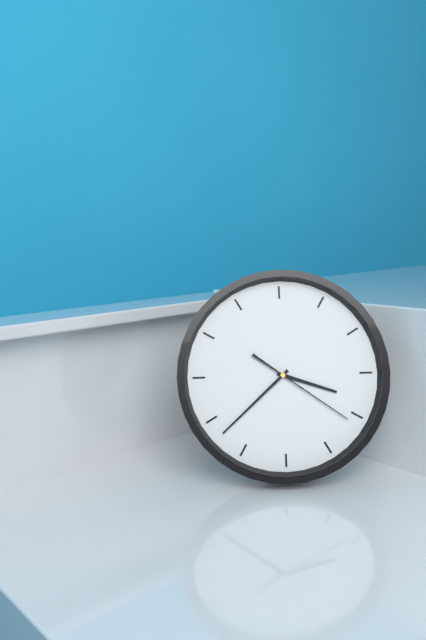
3h38m21s
